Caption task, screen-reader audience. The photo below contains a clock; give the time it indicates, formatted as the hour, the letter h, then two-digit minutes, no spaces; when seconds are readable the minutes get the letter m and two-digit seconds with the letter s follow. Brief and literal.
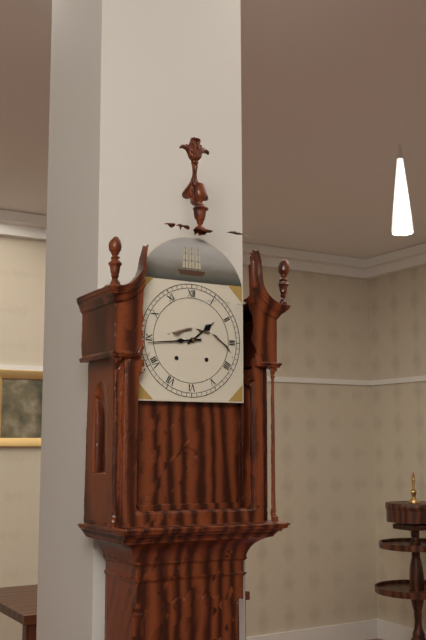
1h44
